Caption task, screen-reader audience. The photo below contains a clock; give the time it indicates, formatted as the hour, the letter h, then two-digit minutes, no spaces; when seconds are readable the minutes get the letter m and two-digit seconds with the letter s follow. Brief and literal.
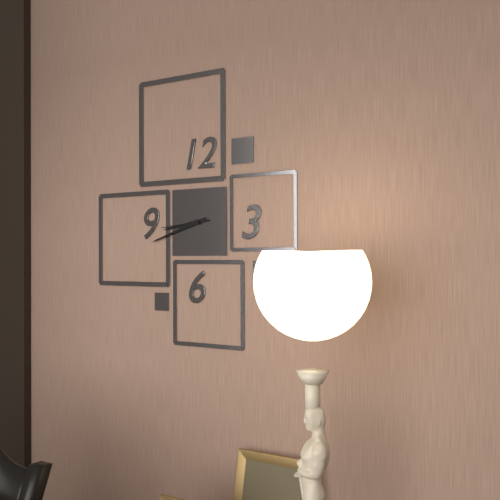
8h42
